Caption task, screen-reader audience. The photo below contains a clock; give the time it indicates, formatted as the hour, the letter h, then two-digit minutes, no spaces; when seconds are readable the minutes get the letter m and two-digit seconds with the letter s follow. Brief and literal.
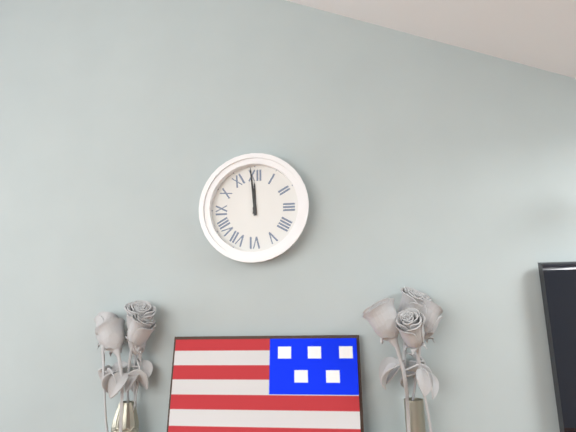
11h59
